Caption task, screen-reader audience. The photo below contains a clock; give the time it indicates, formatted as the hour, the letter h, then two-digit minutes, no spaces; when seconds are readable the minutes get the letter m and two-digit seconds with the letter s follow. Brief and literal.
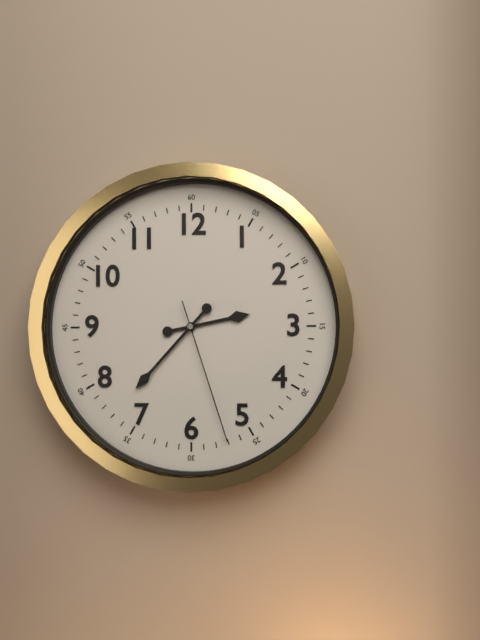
2h37m27s
